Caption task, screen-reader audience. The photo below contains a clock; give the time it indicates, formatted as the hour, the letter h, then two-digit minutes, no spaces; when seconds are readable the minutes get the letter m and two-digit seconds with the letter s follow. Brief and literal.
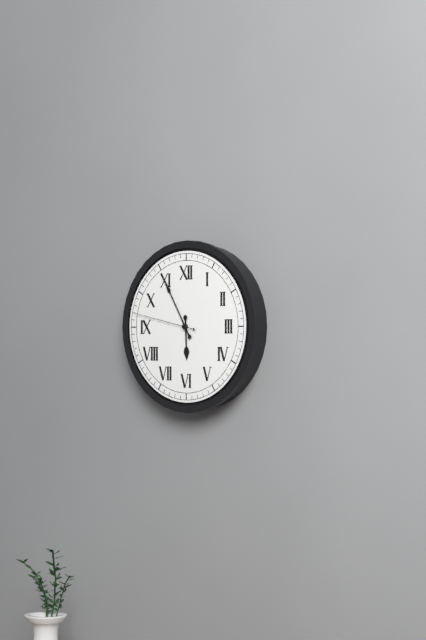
5h55m47s
